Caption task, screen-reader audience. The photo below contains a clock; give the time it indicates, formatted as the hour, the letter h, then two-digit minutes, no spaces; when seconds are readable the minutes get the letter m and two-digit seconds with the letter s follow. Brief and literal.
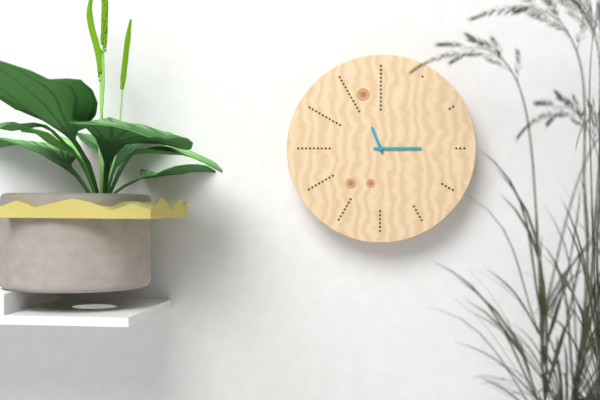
11h15
